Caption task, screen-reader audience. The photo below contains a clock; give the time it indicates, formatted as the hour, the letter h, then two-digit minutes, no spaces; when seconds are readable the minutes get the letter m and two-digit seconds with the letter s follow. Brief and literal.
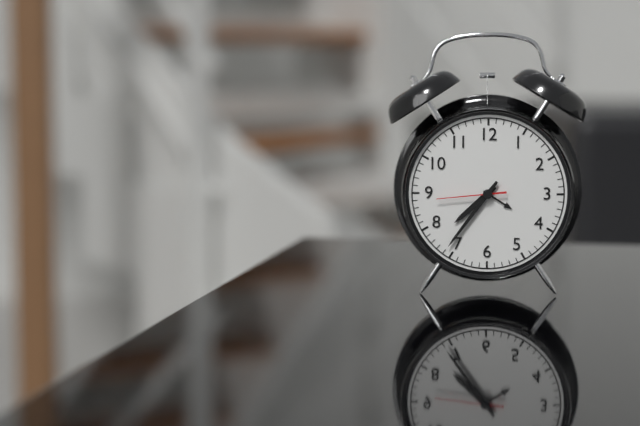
7h36m44s
